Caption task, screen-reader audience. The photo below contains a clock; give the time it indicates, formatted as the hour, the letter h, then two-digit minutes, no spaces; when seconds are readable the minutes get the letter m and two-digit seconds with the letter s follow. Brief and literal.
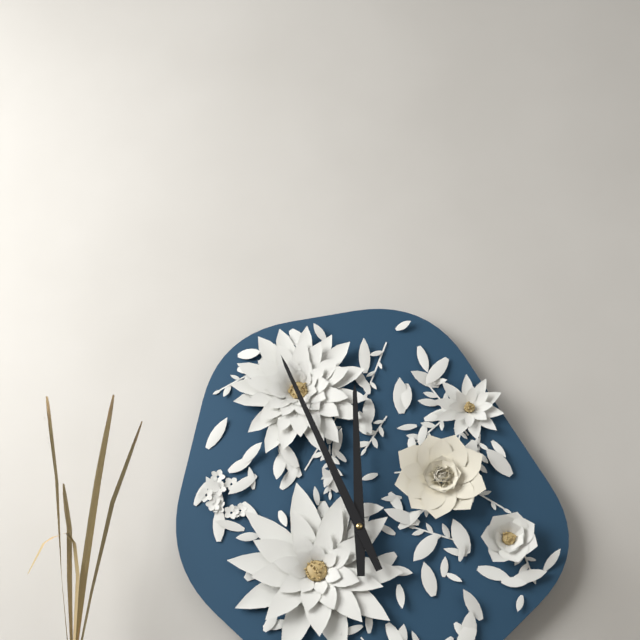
11h56
